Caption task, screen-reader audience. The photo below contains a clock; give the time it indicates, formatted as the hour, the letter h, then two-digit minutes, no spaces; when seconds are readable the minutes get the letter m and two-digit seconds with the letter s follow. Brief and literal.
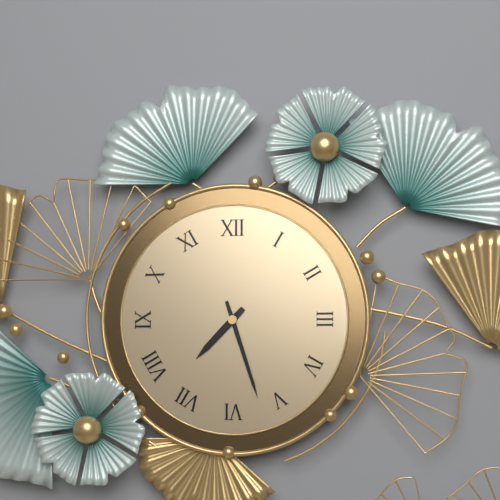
7h27
